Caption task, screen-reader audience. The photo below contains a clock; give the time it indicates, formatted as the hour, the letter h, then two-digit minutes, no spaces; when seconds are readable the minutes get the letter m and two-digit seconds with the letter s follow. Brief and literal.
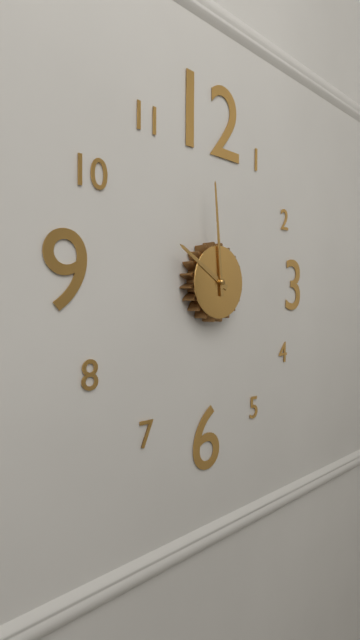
9h59
